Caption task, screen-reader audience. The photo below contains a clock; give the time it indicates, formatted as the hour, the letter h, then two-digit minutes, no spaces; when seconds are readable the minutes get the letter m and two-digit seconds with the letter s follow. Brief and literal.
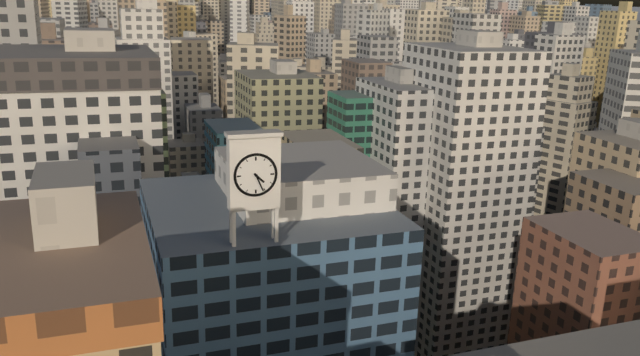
4h26
